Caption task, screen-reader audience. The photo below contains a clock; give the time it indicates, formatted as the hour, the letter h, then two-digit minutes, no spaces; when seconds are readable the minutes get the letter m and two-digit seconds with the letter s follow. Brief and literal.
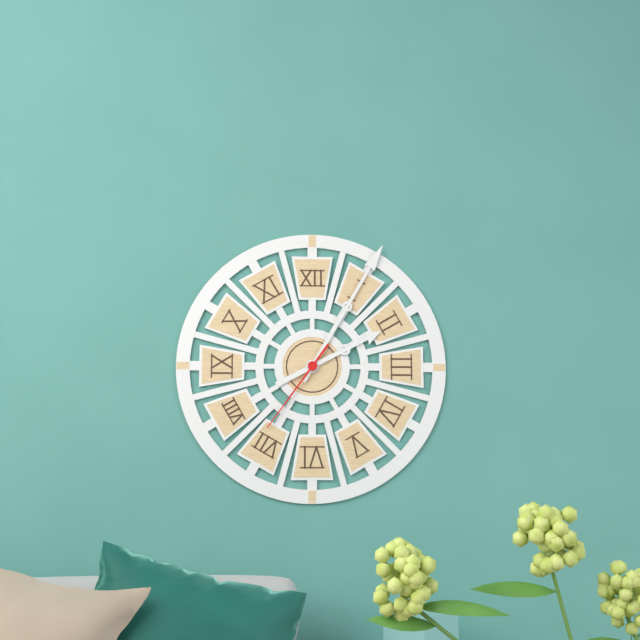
2h05m36s
